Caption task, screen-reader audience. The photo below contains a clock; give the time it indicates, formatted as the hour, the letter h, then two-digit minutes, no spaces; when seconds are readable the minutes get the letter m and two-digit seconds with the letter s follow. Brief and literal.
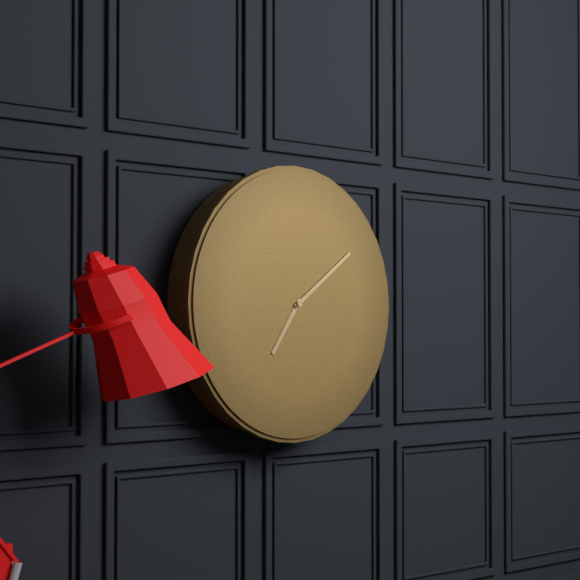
7h09
